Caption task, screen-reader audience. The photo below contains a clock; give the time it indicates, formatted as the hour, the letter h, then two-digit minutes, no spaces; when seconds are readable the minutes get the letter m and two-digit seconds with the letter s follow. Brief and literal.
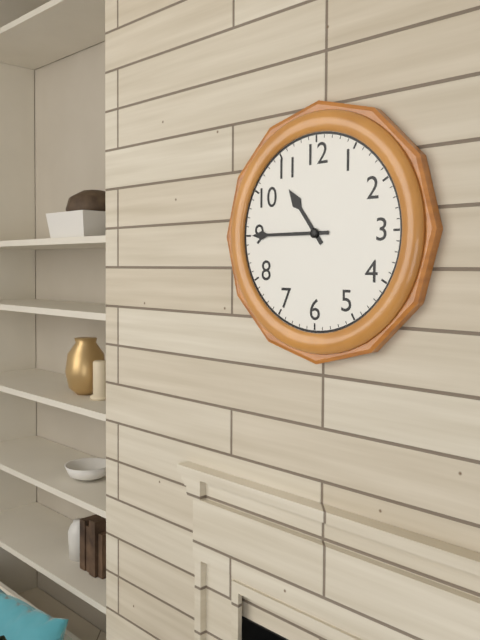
10h45
